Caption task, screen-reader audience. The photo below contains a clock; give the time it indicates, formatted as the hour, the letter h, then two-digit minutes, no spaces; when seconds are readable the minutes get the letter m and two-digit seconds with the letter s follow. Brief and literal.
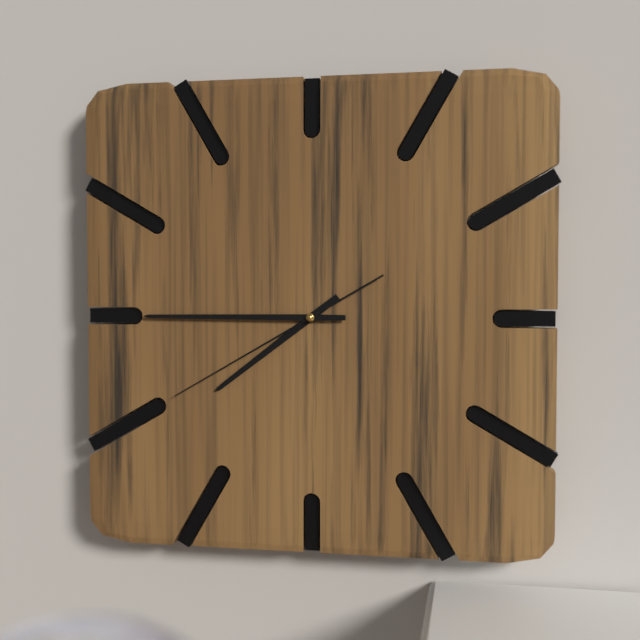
7h45m40s
